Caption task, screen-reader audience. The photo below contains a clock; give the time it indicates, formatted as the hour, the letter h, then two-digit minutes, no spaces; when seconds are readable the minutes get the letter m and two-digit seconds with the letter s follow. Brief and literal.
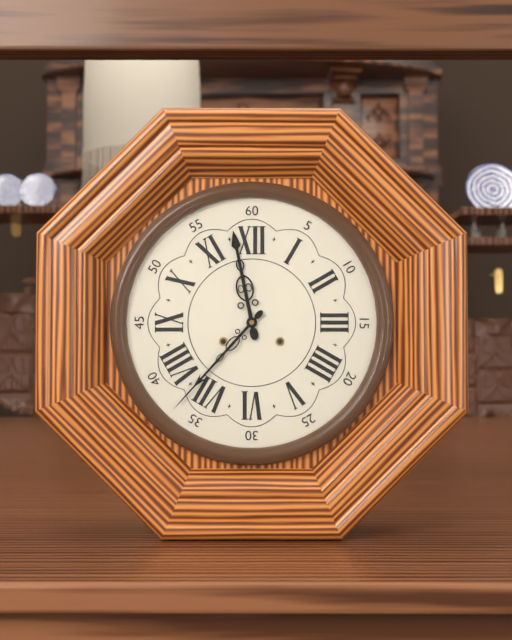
11h37
